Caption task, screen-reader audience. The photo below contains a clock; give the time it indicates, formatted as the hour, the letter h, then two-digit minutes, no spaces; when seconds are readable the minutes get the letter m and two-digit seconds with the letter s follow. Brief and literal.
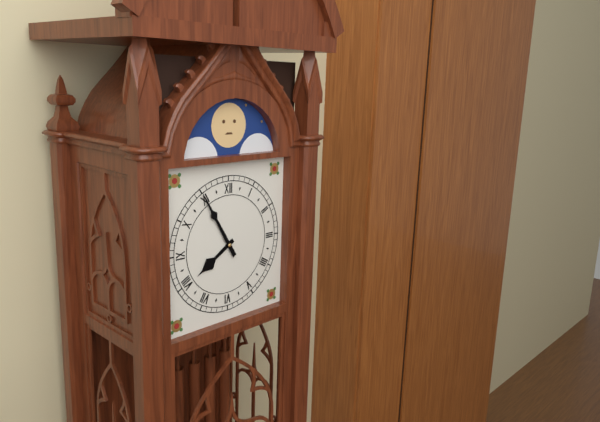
7h55
